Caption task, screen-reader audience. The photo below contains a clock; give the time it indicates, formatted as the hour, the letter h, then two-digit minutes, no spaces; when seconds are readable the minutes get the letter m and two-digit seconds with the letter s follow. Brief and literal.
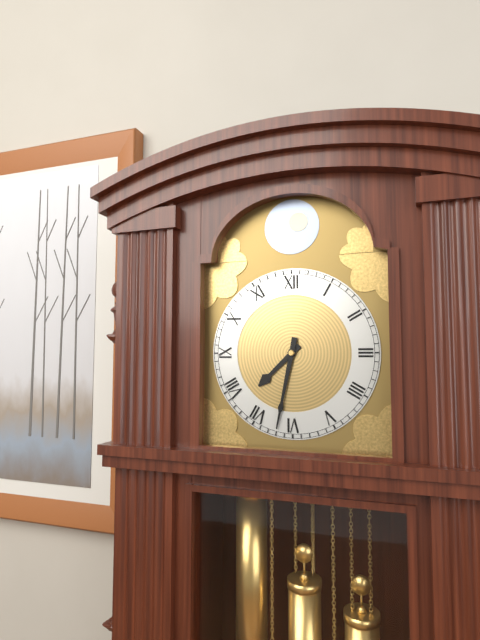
7h32
